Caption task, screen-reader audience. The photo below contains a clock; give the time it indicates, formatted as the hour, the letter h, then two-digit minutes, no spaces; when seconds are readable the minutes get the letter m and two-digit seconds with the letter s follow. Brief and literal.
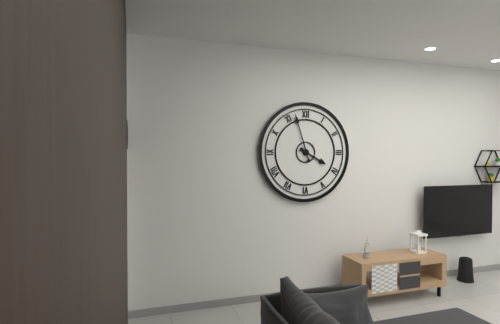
3h57
